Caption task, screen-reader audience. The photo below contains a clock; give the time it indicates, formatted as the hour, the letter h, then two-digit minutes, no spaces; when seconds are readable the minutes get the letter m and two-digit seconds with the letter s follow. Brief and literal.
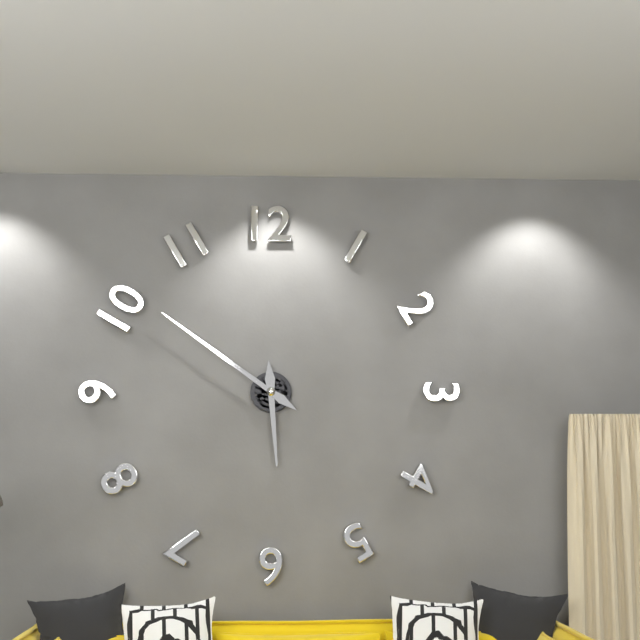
5h51
